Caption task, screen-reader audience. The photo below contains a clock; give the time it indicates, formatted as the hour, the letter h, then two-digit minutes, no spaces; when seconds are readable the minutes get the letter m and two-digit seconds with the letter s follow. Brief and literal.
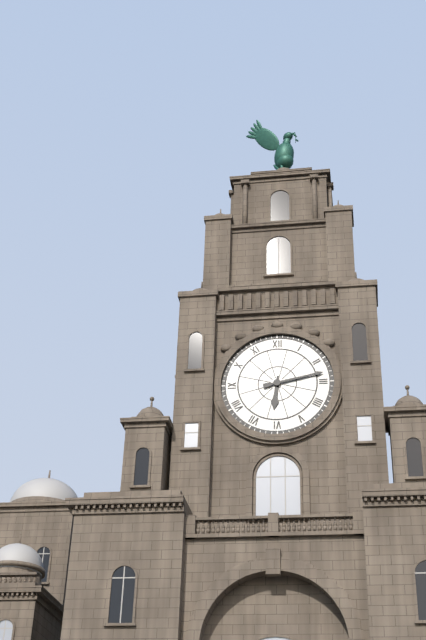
6h13
